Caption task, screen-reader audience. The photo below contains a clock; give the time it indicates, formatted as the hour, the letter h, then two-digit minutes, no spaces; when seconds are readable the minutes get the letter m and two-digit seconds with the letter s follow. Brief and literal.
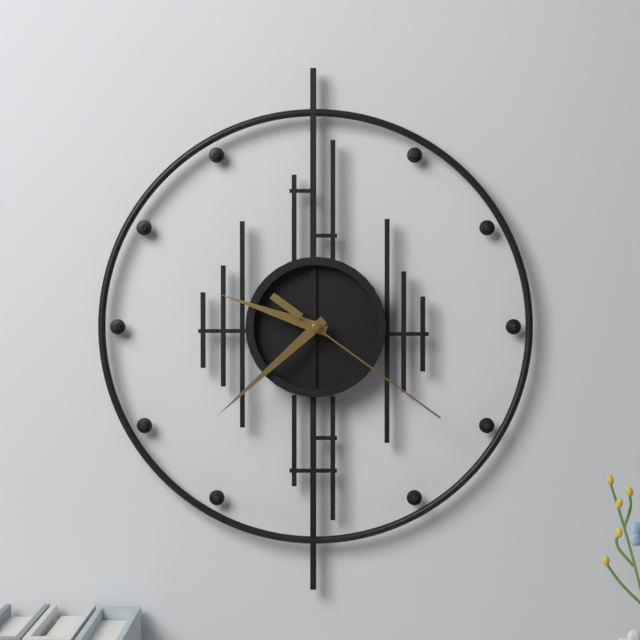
9h38m21s
